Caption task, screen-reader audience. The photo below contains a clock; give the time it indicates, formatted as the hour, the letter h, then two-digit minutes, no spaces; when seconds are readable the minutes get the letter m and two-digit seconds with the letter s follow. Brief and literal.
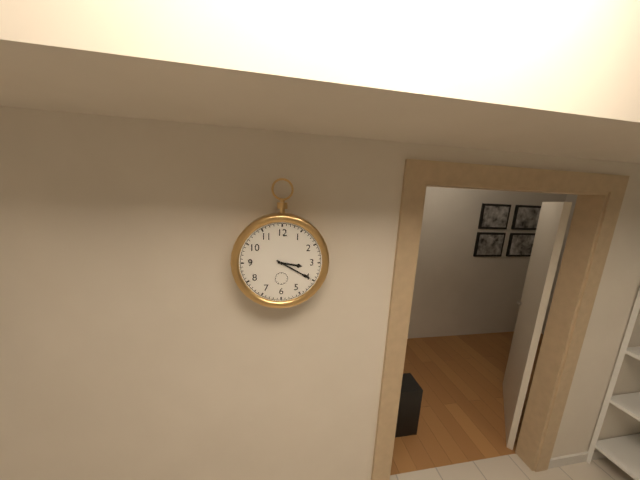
3h20
